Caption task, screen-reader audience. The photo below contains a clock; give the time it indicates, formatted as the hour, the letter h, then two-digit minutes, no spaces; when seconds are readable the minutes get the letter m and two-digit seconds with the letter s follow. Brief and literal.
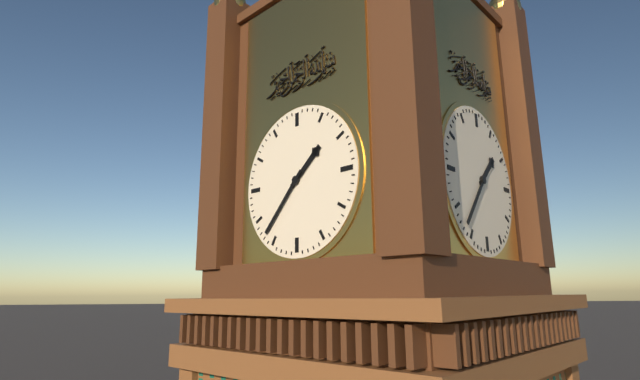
1h37
